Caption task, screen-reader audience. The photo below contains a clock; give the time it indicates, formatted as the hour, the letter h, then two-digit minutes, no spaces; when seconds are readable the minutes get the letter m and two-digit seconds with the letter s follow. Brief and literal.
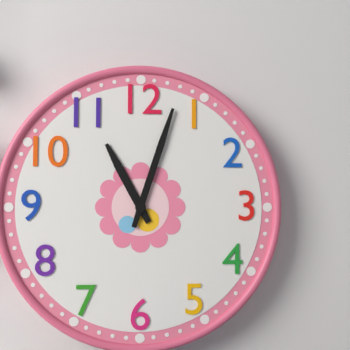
11h03
